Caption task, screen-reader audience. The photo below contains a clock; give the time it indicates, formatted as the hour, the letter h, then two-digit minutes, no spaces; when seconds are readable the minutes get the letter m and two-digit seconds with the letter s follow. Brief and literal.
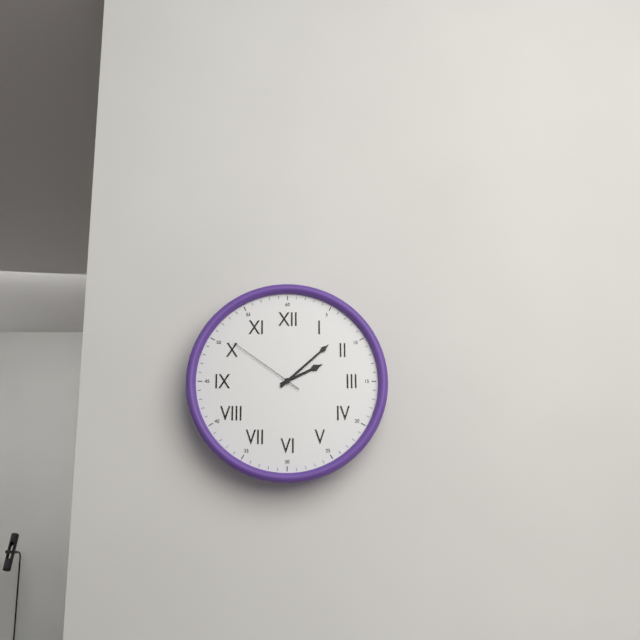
2h08m51s
